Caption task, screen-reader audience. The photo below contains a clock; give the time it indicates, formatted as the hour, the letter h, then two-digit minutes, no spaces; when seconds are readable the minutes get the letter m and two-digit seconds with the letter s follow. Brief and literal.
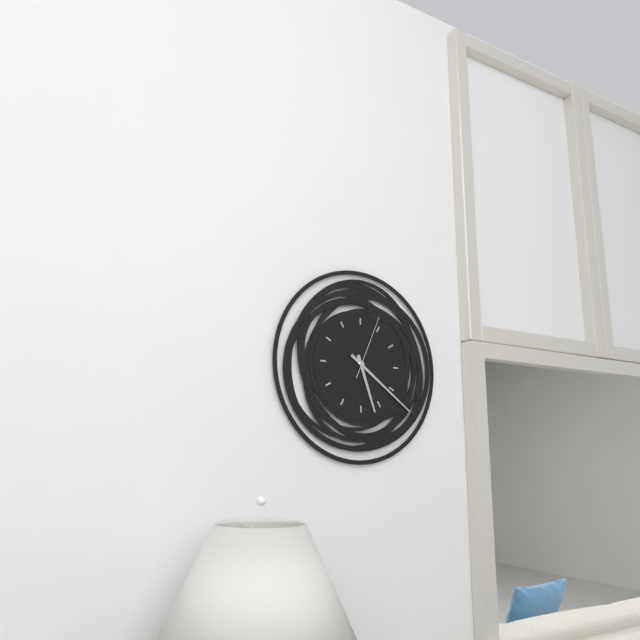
5h21m04s
